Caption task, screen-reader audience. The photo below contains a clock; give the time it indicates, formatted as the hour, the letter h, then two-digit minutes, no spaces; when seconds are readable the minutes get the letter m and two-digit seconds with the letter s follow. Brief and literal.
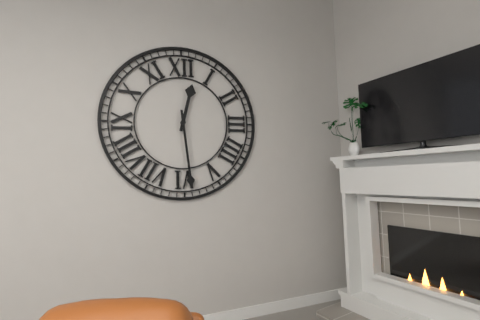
12h29
